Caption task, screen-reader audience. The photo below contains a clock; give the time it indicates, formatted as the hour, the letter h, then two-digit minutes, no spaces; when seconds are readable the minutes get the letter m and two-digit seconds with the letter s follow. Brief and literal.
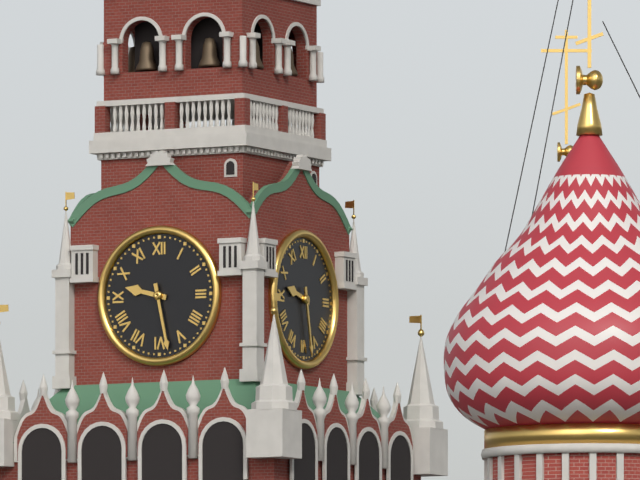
9h28
